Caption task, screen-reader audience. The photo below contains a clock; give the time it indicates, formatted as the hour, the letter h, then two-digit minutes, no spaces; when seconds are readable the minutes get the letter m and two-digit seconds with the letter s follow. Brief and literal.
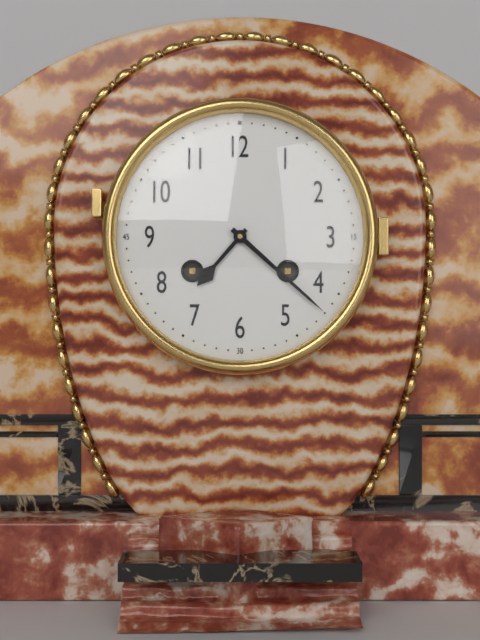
7h22
